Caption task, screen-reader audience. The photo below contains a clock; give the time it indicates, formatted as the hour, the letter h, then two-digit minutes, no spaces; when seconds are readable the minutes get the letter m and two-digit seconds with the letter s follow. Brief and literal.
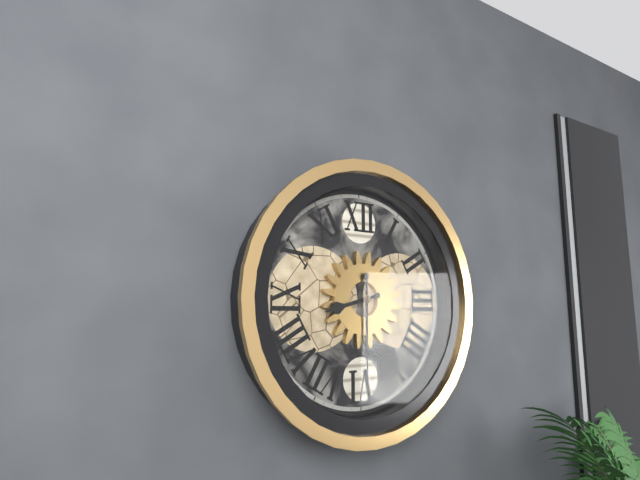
8h30
